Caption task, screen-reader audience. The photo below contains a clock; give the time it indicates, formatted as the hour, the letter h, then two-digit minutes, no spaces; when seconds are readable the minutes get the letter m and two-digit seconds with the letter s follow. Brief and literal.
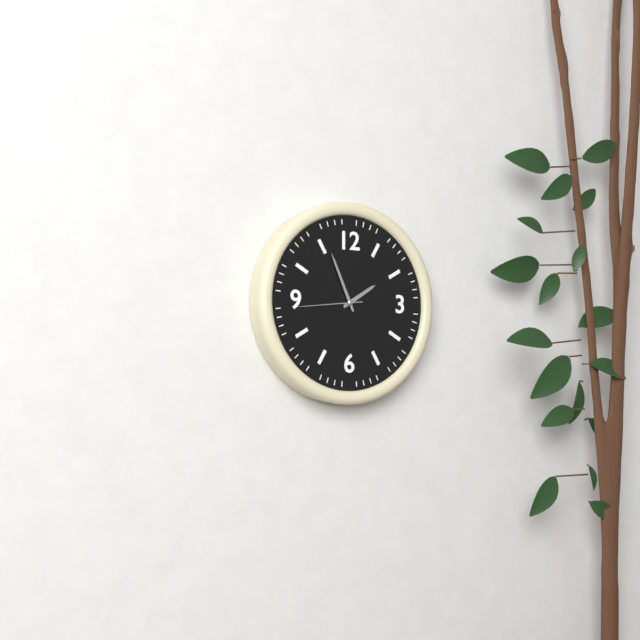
1h56m44s
